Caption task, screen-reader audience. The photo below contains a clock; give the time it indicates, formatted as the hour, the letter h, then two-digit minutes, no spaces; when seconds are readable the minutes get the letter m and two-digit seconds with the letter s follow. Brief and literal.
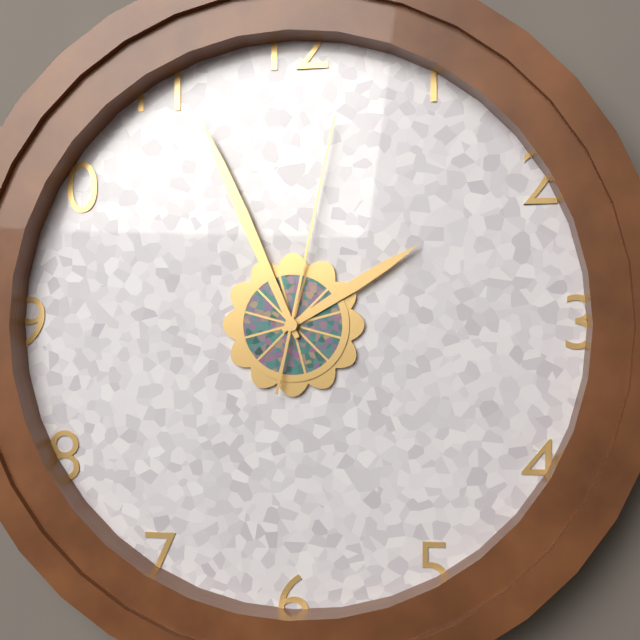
1h56m02s
